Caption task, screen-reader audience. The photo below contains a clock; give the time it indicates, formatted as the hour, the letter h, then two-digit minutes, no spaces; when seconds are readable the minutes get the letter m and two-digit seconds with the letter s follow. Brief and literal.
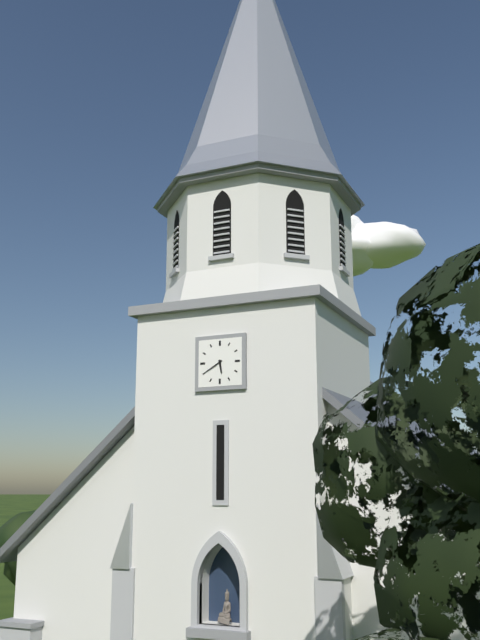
5h40
